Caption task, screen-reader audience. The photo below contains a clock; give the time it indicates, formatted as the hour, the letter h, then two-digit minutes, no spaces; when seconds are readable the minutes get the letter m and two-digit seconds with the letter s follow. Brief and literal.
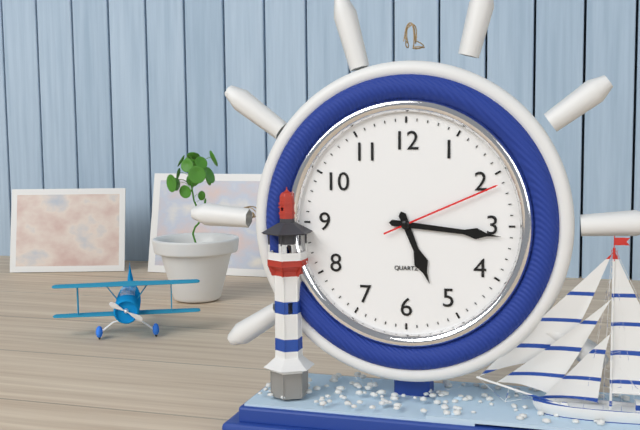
5h16m11s
